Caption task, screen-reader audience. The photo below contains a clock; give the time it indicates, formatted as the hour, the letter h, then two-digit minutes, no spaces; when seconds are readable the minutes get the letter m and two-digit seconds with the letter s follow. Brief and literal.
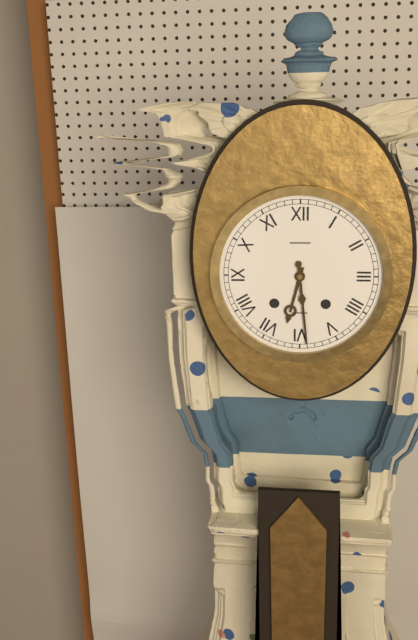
6h29
